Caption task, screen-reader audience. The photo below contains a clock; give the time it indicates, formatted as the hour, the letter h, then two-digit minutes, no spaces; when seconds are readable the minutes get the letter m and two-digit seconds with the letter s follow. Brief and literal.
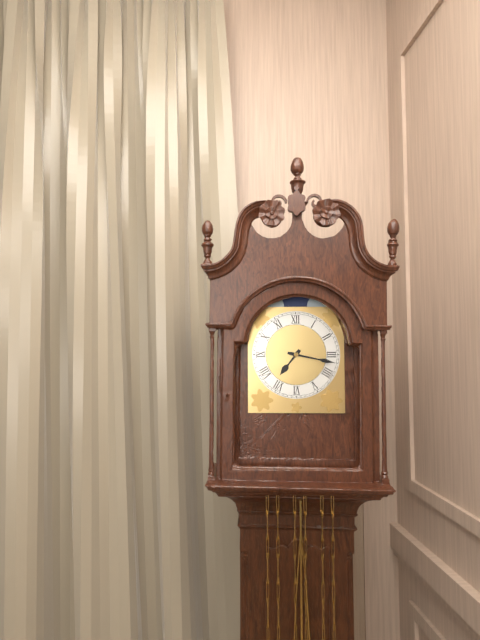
7h17
